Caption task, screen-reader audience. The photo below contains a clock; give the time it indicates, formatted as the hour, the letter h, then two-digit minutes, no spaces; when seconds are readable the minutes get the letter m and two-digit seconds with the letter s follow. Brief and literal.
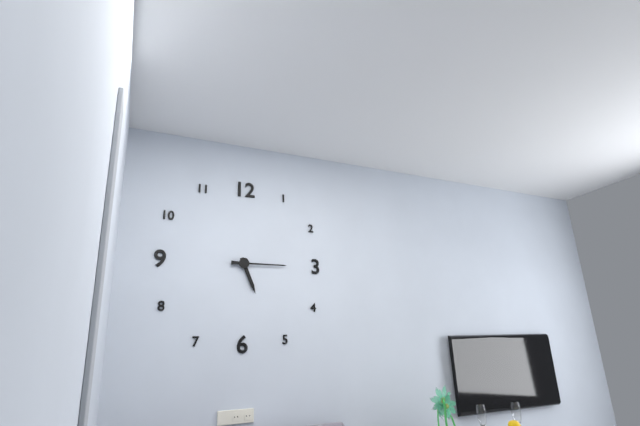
5h15
